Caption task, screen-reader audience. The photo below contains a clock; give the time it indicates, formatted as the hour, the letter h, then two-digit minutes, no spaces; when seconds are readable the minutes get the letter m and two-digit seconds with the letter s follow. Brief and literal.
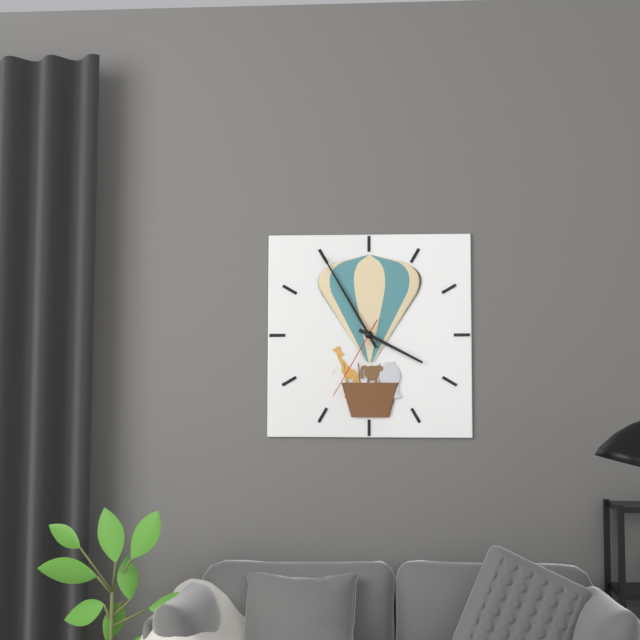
3h55m35s
